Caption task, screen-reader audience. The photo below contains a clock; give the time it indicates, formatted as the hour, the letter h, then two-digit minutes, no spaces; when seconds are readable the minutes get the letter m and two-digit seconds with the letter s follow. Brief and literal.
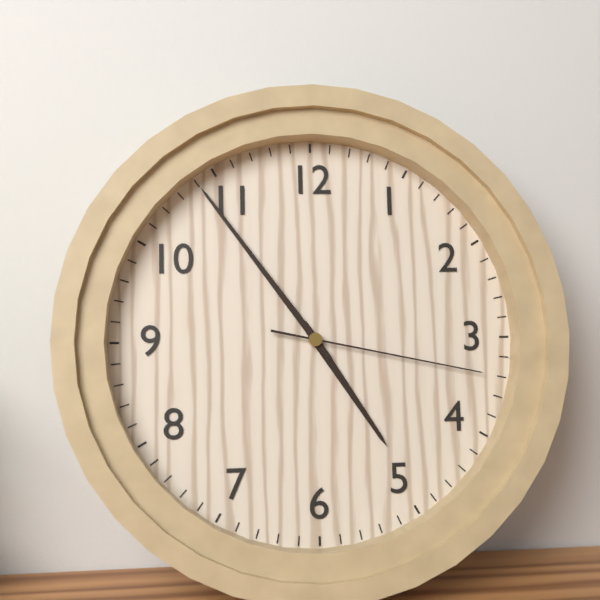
4h54m17s
